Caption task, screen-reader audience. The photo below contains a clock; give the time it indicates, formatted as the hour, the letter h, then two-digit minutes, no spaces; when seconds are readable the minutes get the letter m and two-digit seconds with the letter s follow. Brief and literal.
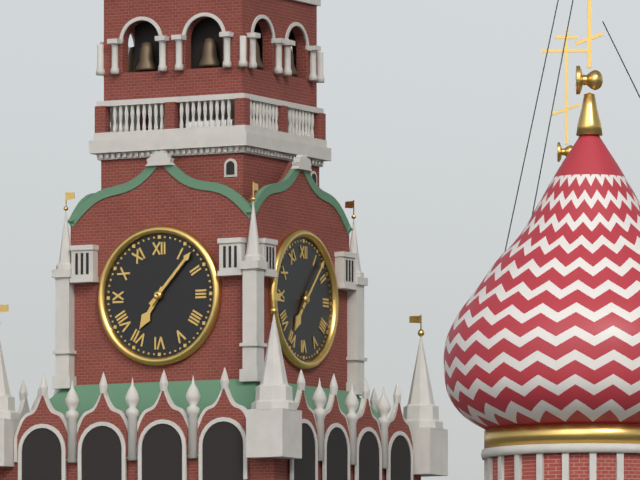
7h07
